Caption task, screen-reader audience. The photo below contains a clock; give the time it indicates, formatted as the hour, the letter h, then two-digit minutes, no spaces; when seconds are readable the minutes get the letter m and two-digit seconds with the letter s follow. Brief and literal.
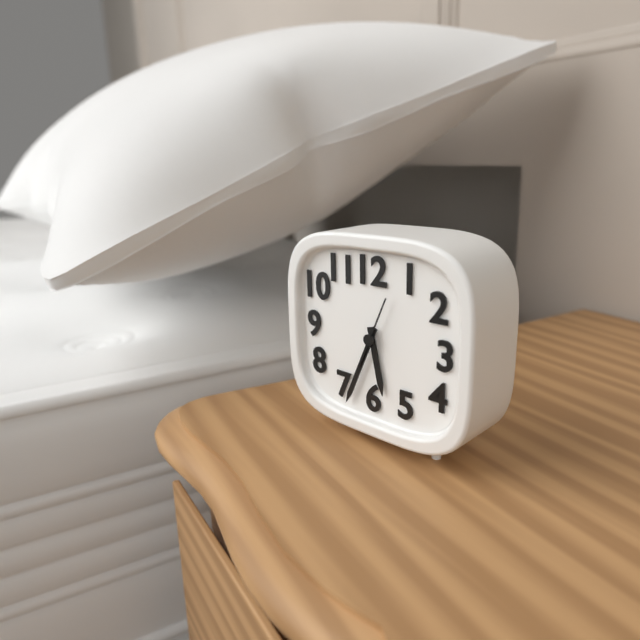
5h34m04s
